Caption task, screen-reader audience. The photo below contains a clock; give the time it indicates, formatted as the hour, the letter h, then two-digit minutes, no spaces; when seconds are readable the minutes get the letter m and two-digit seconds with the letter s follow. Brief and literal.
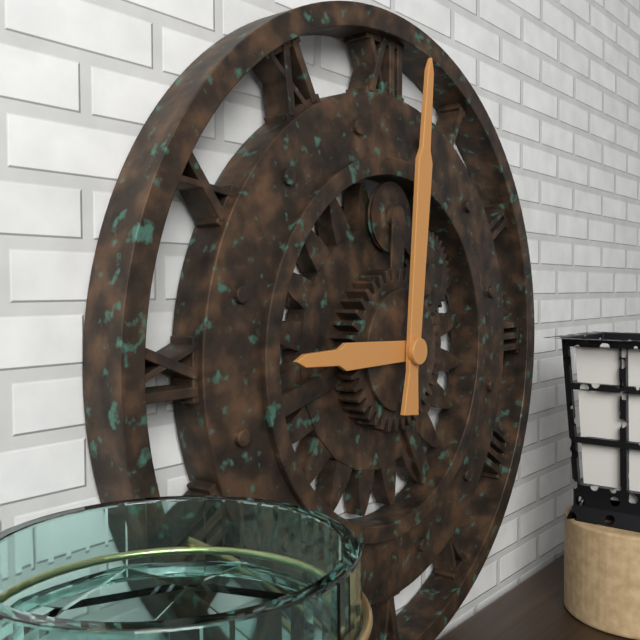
9h01
